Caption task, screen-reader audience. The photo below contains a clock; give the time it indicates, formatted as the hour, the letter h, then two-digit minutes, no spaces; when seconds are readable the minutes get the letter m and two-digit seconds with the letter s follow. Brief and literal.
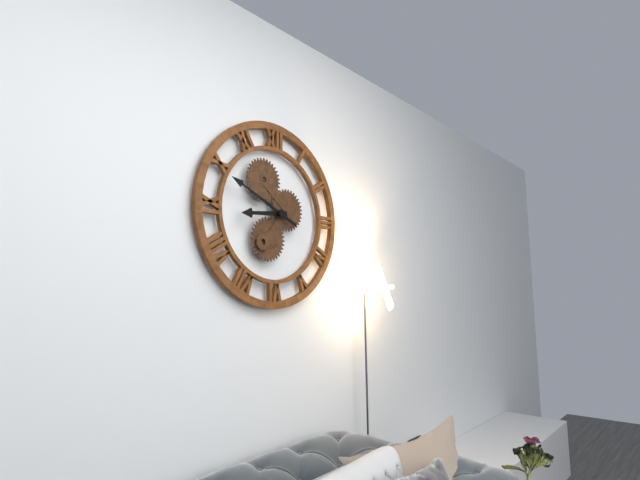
8h49
